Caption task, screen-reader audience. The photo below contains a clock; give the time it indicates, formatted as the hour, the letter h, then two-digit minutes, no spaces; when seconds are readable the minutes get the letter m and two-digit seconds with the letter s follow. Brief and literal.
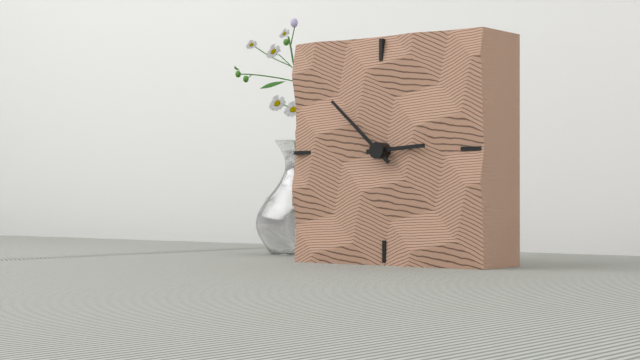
2h52
